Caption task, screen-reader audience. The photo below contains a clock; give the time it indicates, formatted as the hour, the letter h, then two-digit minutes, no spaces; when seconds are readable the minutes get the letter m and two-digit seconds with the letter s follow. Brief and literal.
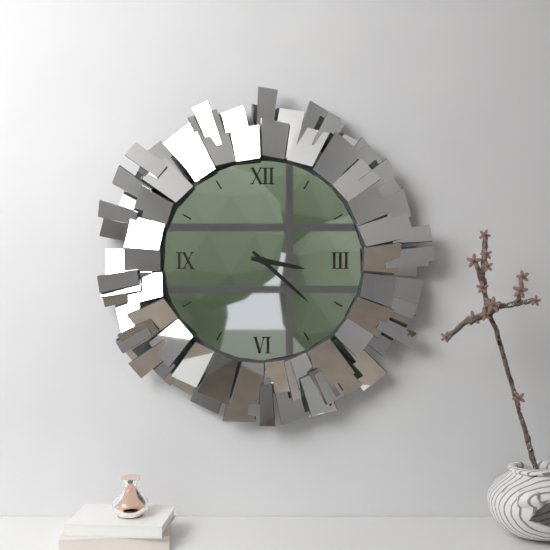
3h22
